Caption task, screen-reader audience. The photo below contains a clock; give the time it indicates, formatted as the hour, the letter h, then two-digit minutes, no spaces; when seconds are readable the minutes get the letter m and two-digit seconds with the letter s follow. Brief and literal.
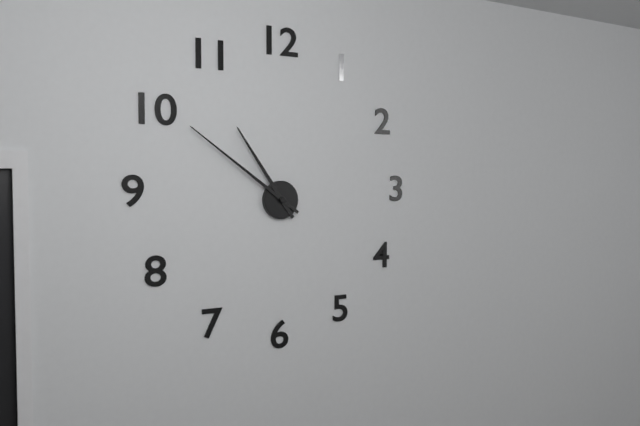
10h51
